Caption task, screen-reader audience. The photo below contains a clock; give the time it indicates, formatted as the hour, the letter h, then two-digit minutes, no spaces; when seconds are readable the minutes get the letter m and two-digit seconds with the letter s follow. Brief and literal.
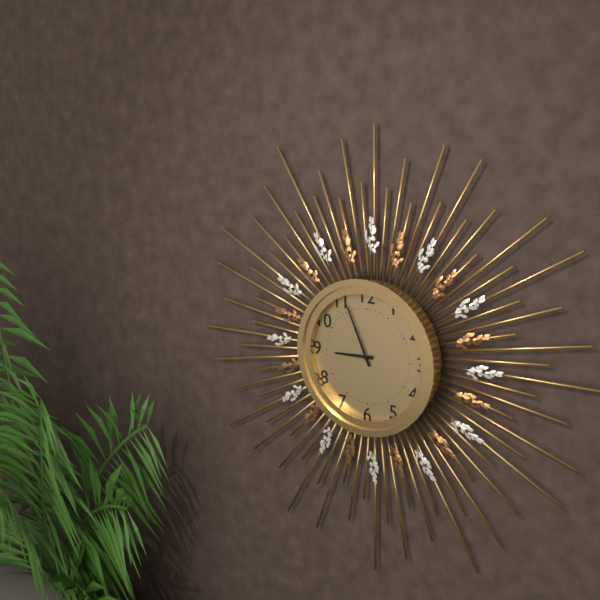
8h56
